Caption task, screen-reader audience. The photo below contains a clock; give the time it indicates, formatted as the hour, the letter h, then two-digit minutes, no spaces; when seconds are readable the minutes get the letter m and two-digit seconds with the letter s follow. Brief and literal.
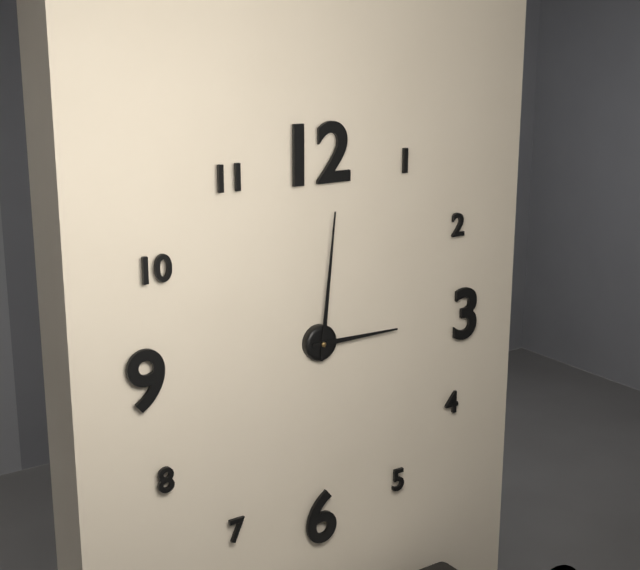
3h01
